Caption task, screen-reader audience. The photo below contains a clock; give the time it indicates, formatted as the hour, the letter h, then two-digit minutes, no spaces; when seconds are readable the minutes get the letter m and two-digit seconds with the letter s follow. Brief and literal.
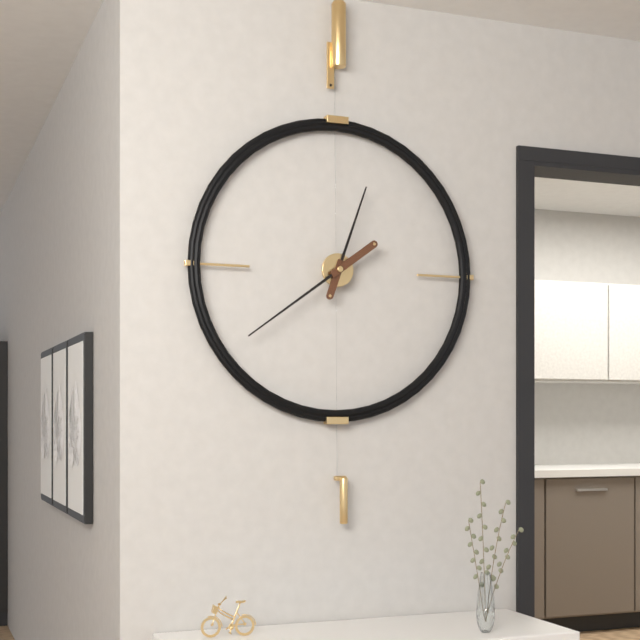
12h39
